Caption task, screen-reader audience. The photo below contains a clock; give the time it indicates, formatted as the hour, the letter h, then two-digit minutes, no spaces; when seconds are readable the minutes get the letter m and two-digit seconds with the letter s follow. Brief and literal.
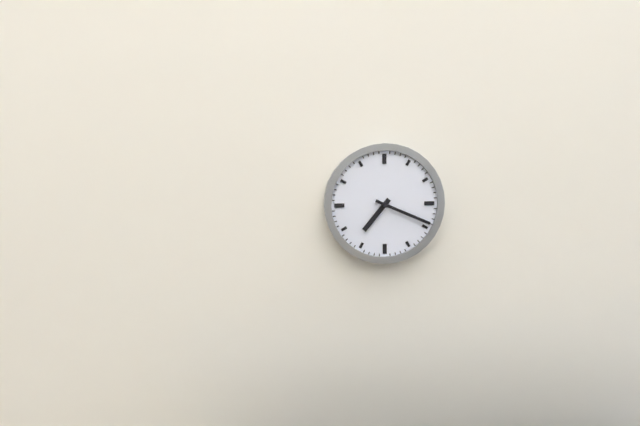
7h19
